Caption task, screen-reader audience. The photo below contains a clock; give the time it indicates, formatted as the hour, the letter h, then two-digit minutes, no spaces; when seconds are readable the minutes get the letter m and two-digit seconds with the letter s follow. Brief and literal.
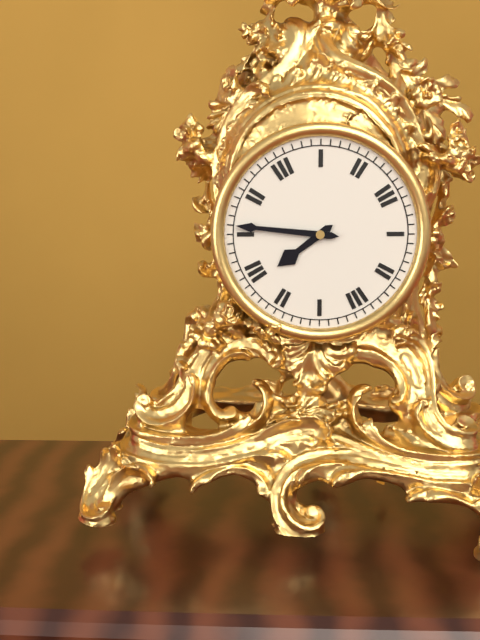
7h46
